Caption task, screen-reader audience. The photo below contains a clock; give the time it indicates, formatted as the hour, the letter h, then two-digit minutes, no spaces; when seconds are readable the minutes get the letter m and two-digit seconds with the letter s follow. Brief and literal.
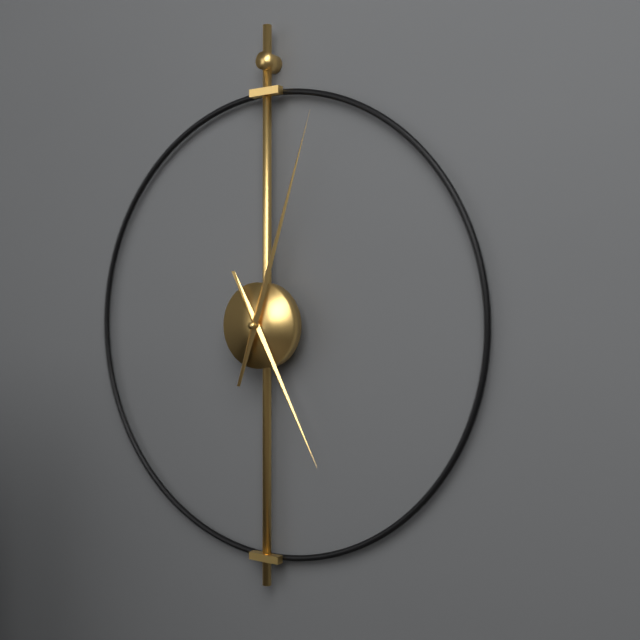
5h03
